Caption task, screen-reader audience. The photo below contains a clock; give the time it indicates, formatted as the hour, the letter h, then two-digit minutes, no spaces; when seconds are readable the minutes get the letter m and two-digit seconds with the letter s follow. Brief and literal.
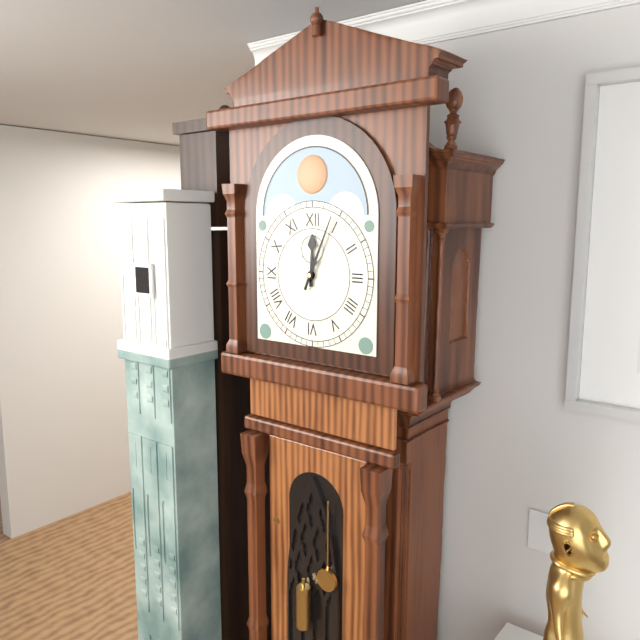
12h04
